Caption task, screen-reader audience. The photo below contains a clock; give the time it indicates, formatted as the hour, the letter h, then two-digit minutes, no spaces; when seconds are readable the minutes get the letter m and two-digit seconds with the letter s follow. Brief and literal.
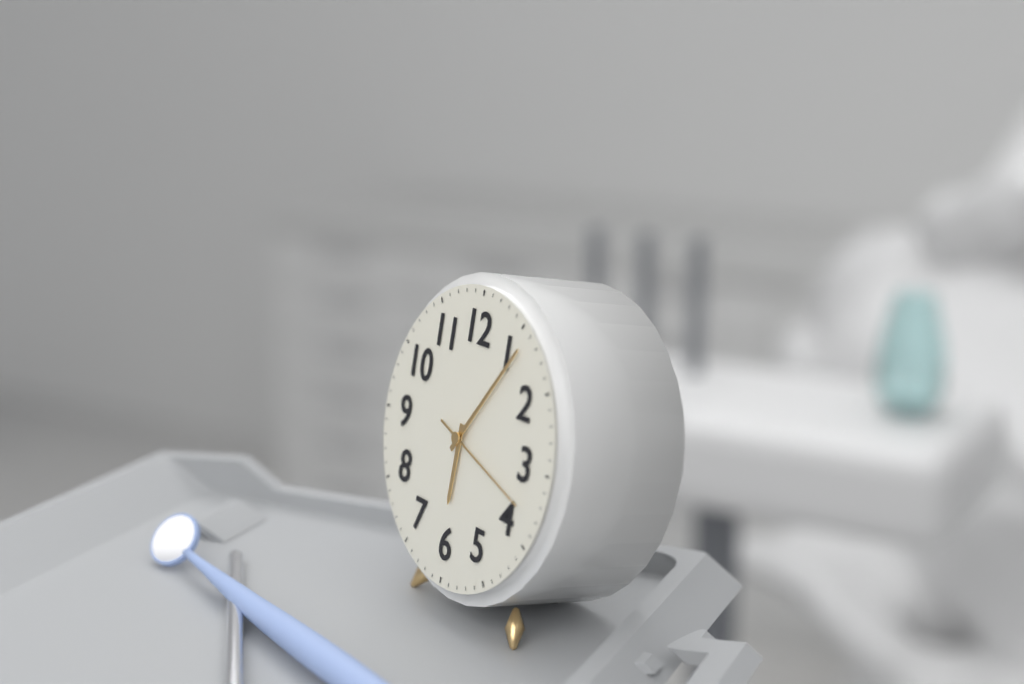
6h06m18s
